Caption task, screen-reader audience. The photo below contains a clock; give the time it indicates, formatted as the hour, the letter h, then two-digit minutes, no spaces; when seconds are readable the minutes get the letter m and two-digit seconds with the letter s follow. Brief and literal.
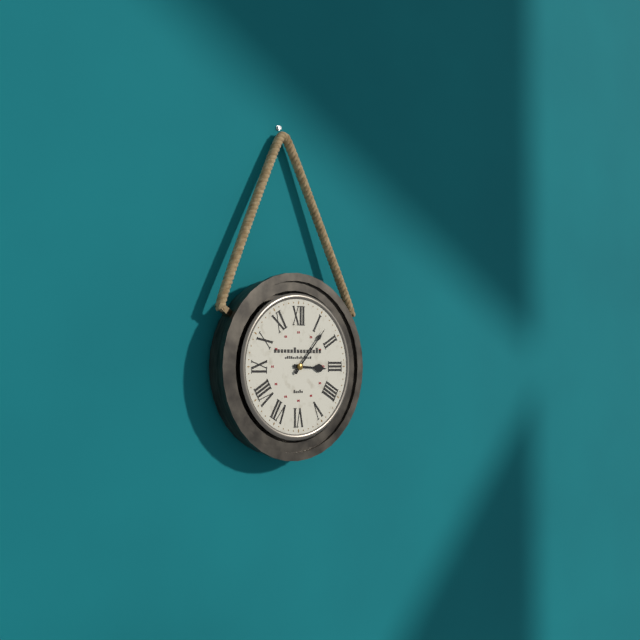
3h07
